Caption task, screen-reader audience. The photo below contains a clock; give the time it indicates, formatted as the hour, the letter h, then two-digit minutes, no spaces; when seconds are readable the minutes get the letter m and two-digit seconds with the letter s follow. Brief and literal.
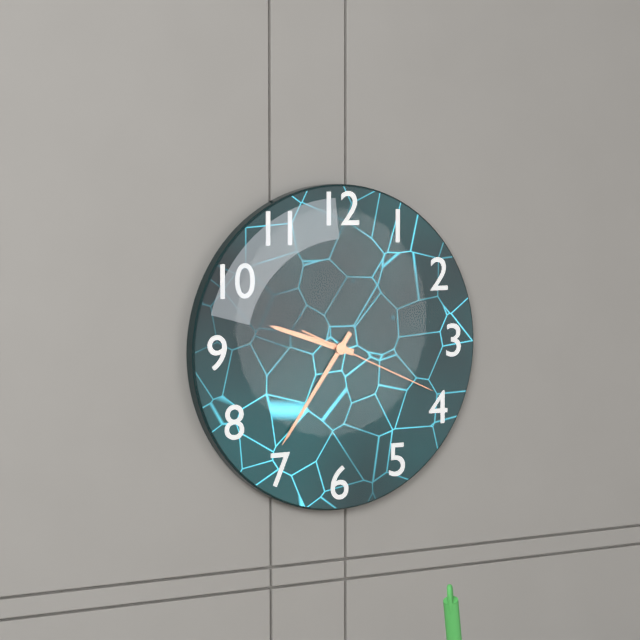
9h36m19s
